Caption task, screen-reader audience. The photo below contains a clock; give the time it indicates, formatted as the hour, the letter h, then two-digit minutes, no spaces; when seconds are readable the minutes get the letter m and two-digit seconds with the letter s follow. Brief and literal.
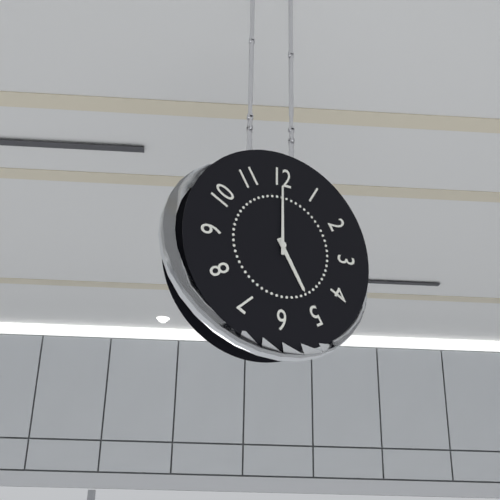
5h00
